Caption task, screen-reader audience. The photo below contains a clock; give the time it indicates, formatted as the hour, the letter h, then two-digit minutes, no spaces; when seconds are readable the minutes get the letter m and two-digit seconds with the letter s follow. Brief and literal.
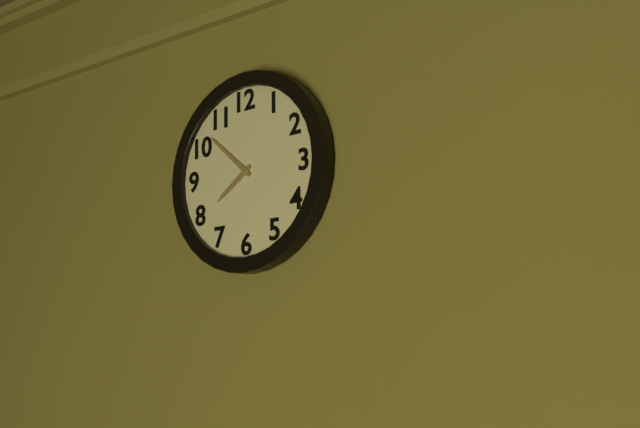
7h52
